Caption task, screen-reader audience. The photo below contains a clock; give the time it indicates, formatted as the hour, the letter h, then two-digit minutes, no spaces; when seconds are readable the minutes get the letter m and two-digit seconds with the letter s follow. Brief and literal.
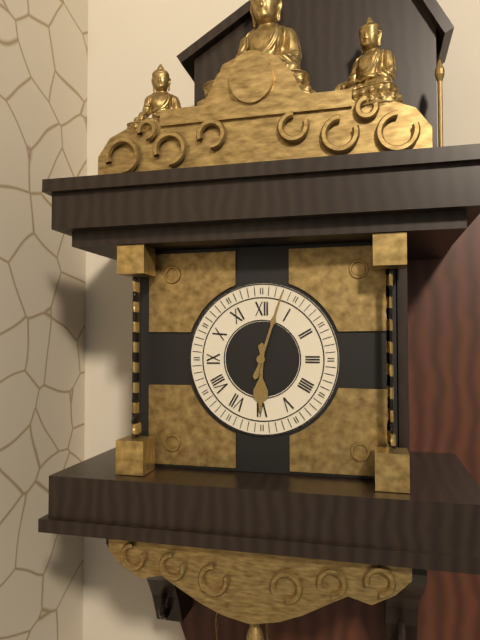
6h03
